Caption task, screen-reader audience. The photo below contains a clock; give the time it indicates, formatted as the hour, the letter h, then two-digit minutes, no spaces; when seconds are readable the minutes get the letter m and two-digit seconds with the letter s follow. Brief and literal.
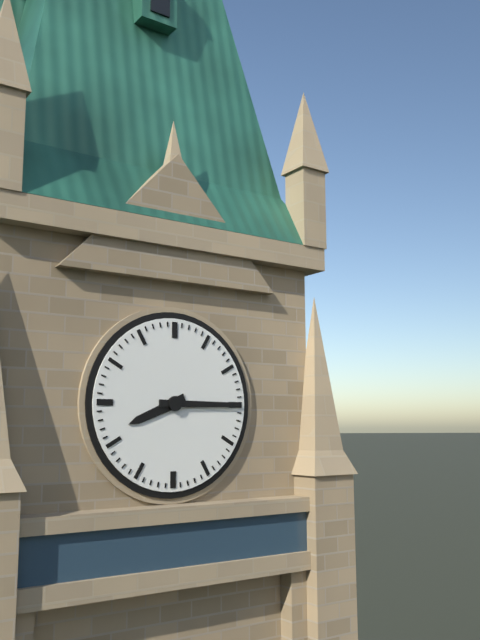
8h15
